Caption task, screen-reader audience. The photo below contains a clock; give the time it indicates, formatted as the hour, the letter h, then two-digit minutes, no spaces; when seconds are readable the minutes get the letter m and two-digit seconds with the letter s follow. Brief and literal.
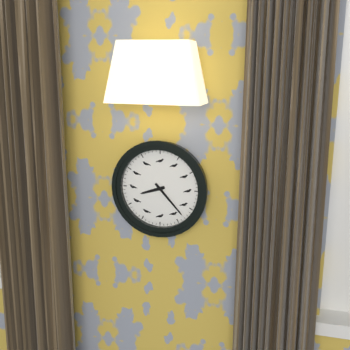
8h23
